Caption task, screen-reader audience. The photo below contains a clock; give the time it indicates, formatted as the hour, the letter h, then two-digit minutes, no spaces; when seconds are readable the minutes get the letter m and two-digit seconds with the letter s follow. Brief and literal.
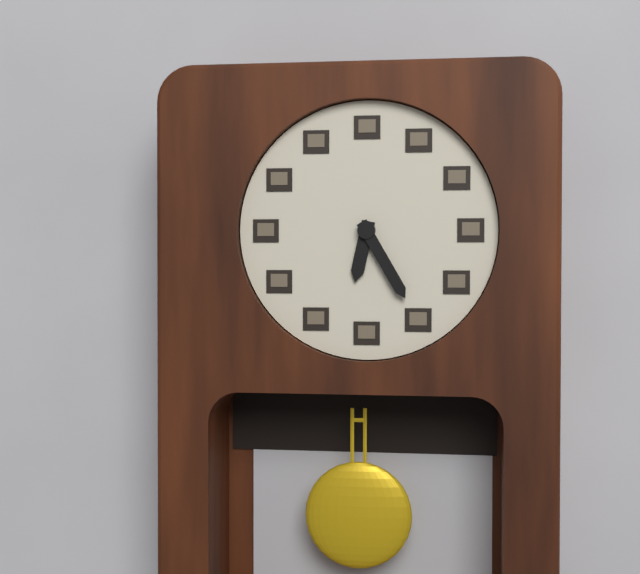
6h25
